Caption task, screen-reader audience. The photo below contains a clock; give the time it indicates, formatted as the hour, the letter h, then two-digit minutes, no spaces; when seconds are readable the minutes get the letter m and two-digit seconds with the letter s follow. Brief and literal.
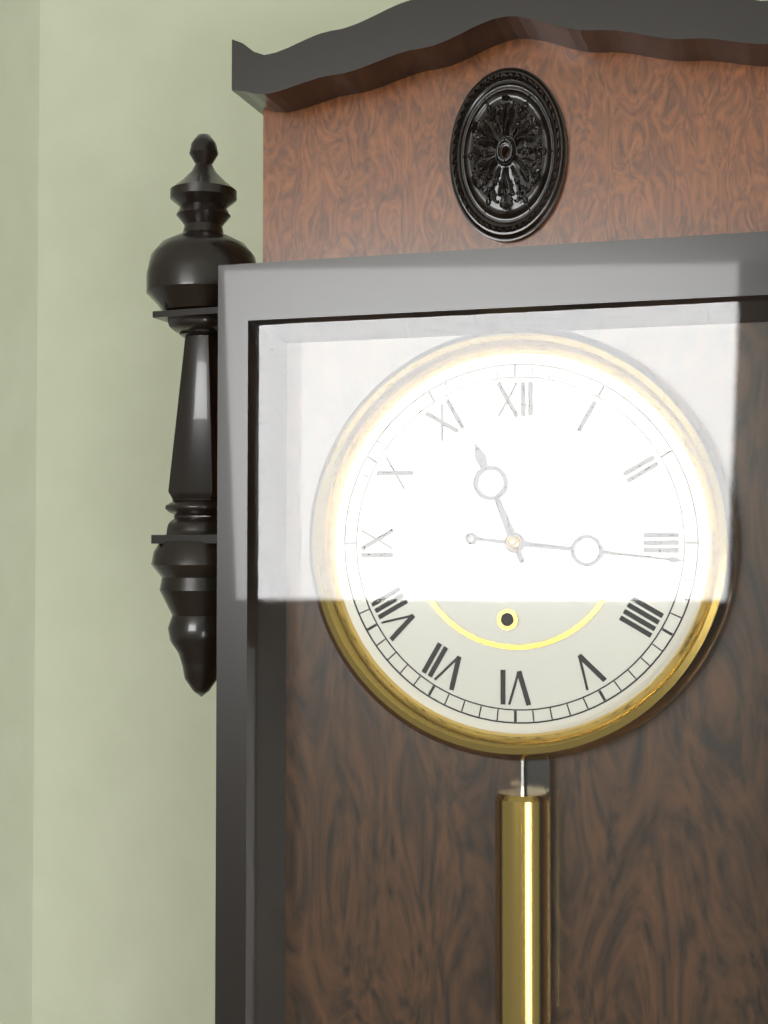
11h16
